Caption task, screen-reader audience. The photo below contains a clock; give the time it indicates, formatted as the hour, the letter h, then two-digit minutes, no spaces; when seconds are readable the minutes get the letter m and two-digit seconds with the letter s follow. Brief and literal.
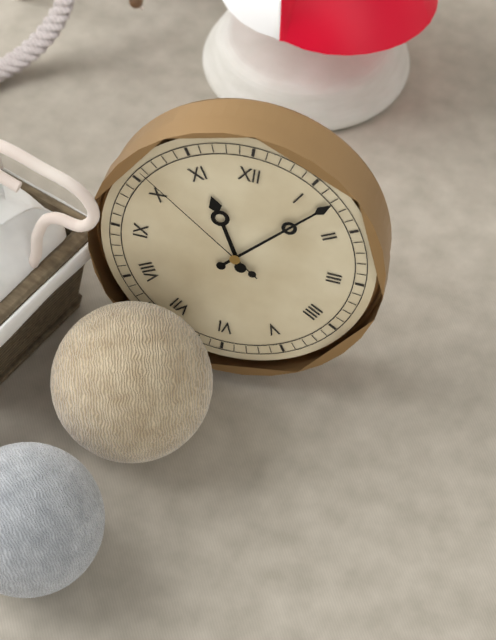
11h07m51s
